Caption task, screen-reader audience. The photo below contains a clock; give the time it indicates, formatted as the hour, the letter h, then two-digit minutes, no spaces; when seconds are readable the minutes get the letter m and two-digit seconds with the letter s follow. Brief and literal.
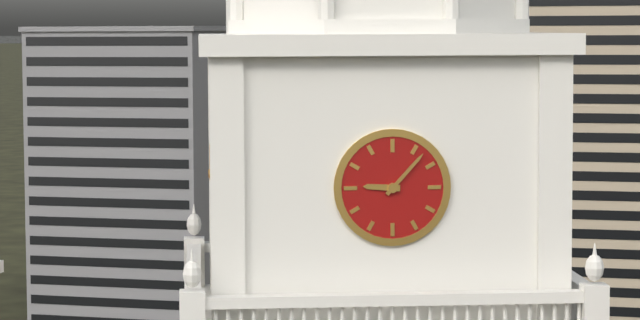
9h07
